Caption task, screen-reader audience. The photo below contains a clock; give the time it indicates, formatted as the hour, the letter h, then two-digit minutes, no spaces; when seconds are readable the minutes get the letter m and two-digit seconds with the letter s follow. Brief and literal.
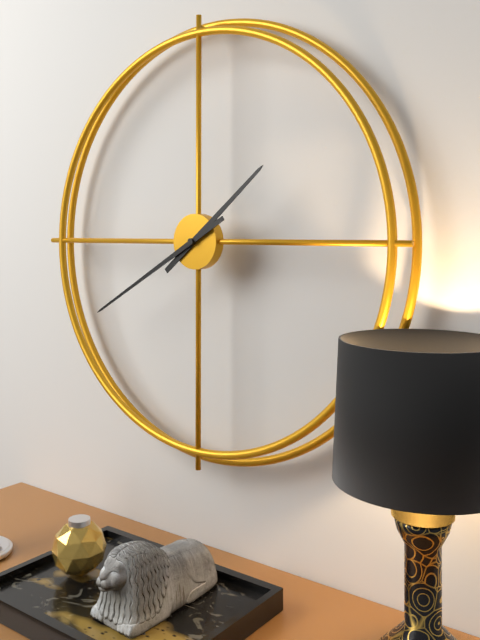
1h40
